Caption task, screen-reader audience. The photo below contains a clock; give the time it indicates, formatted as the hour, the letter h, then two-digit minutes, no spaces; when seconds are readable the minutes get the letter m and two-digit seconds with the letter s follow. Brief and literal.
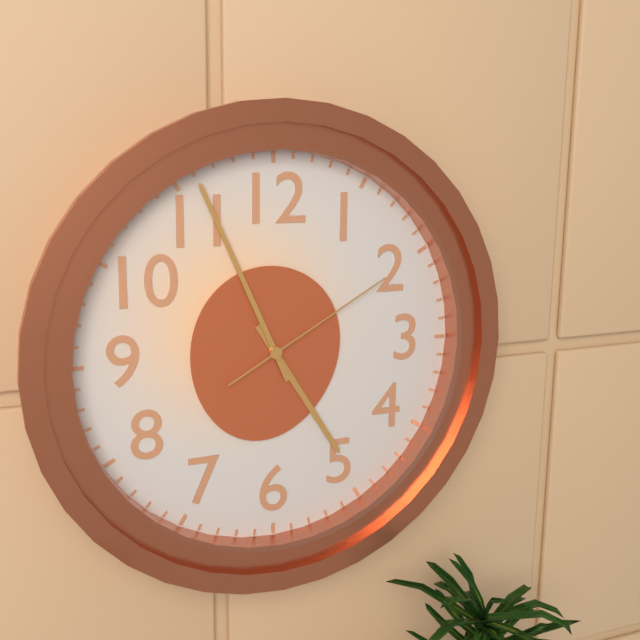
4h56m10s
